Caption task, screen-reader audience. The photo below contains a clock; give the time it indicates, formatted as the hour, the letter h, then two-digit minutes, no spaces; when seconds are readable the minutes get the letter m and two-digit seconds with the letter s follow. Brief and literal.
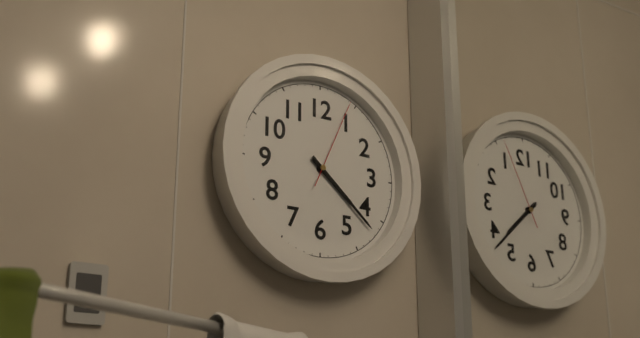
4h22m04s
